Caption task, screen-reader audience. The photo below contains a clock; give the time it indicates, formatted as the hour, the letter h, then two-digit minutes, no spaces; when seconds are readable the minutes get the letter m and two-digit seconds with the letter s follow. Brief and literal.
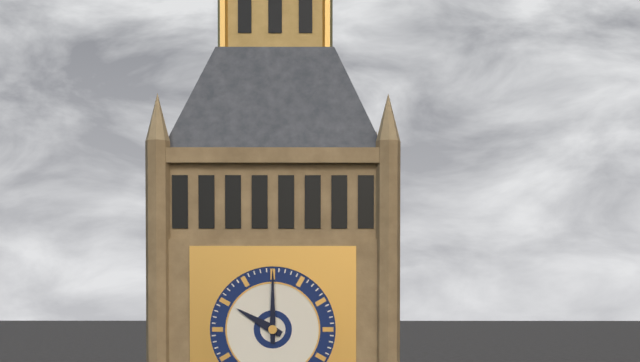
10h00
